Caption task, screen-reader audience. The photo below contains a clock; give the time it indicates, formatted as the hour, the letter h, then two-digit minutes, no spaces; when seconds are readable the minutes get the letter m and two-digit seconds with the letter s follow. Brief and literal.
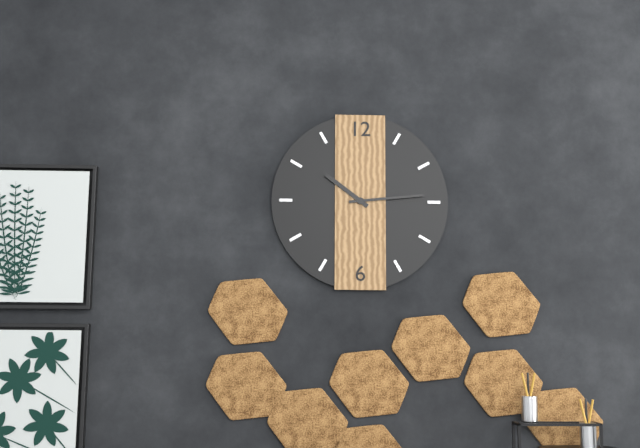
10h14
